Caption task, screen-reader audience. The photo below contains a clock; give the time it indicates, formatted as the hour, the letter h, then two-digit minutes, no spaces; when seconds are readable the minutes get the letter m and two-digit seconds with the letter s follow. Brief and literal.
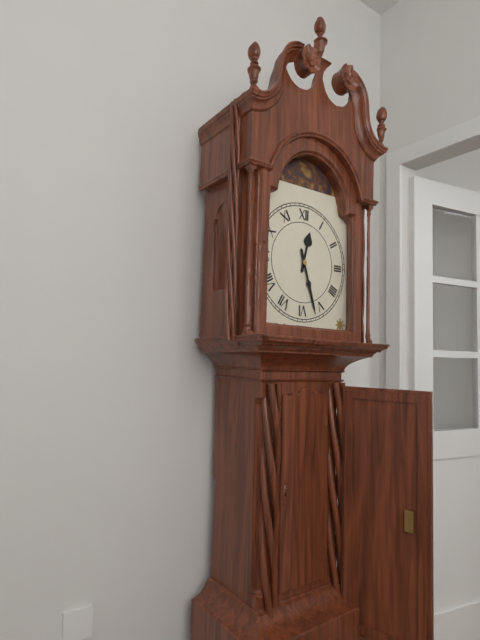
12h27
